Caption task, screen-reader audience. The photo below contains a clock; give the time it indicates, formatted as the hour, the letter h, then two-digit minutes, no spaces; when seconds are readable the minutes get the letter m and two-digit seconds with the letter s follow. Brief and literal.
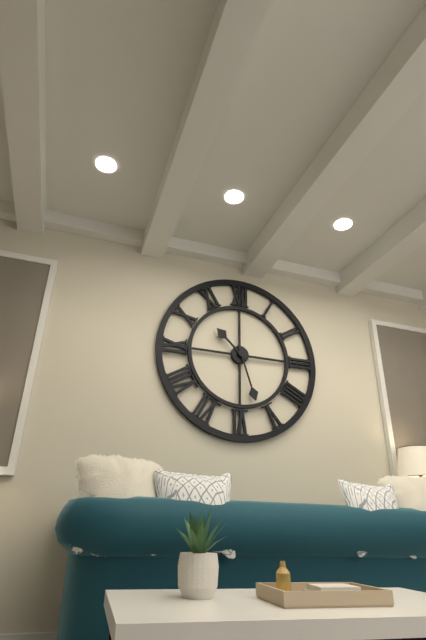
10h27
